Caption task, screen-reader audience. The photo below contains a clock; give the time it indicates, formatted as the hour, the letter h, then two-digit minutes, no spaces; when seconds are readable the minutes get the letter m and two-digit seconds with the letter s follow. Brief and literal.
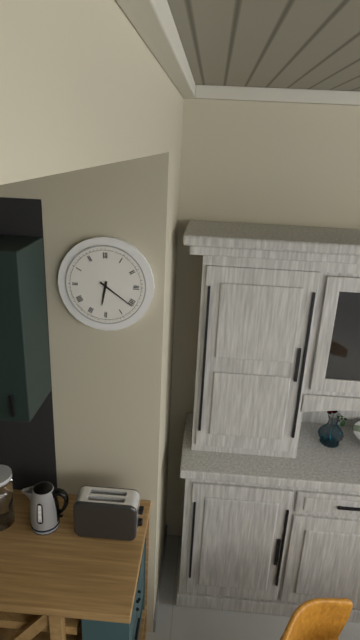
6h21
